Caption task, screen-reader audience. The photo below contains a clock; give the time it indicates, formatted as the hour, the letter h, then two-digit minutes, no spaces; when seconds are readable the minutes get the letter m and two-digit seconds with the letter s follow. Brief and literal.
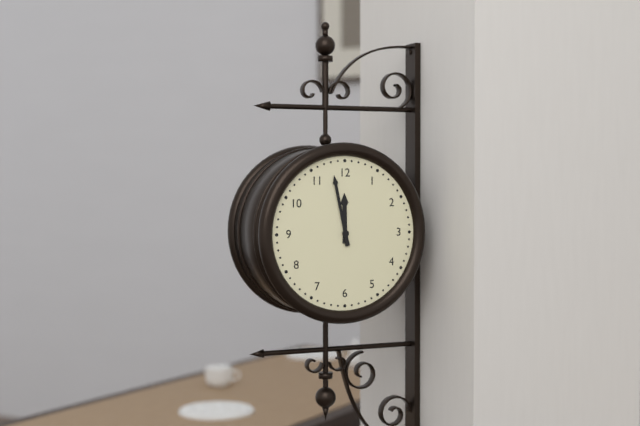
11h58
